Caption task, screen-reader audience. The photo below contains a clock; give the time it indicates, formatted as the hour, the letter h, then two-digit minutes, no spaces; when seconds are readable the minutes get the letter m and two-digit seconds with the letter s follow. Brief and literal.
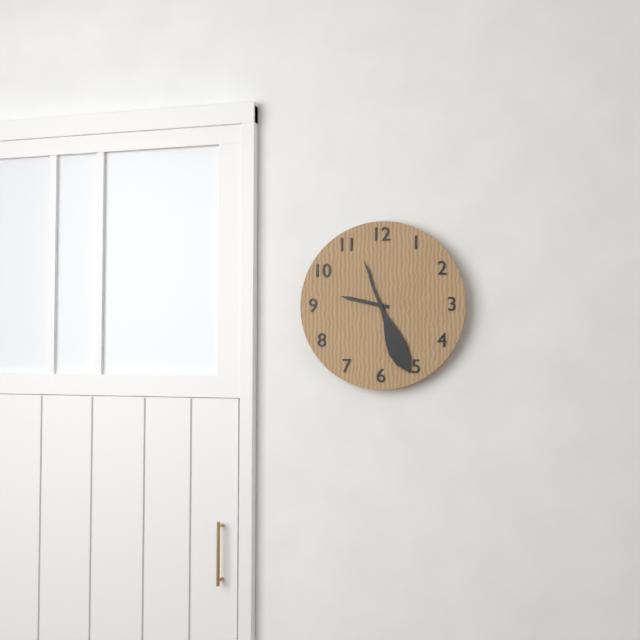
9h26
